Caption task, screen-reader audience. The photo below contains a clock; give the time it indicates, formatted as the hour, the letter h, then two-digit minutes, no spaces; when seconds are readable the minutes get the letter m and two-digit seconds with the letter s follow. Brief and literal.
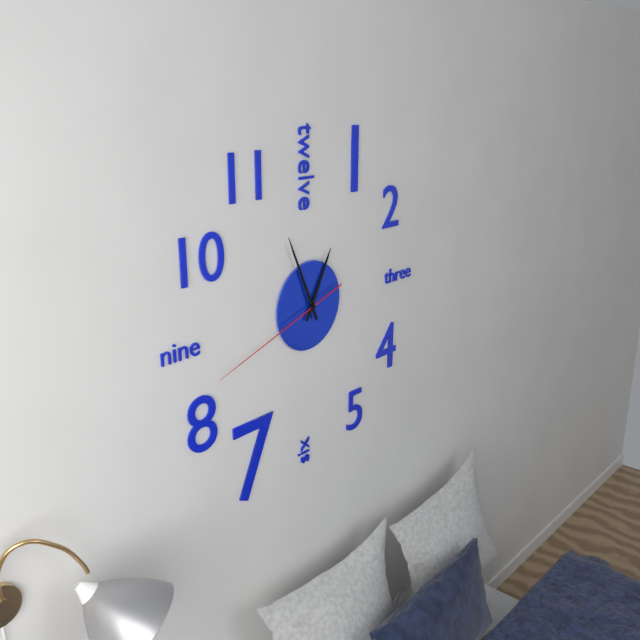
12h56m42s
